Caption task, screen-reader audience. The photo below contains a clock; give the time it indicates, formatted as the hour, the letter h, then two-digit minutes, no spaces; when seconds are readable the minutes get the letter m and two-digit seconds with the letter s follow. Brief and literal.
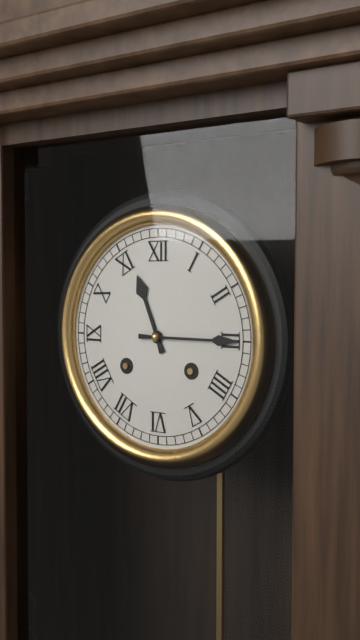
11h15
